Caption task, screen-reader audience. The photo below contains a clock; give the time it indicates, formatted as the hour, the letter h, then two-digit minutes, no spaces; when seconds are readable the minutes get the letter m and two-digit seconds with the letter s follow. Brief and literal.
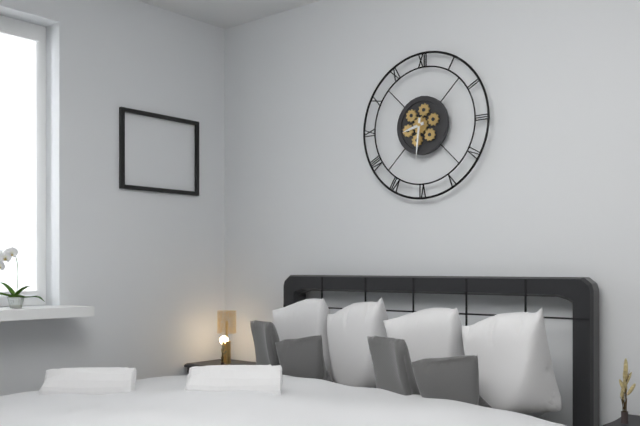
8h31
